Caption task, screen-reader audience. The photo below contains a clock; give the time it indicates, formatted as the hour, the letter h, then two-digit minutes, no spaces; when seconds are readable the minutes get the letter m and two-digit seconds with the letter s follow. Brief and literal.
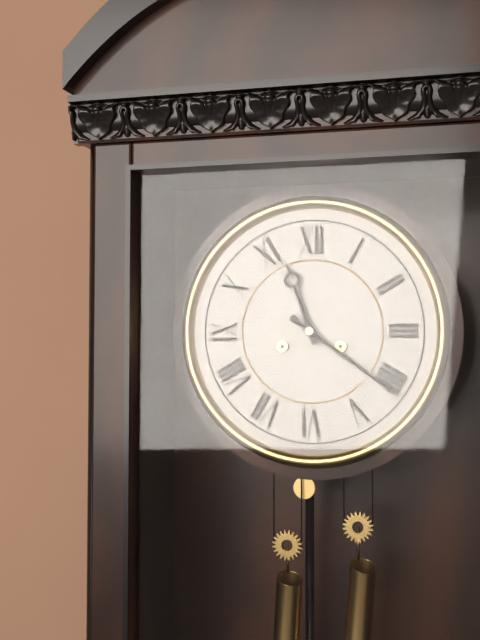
11h21
